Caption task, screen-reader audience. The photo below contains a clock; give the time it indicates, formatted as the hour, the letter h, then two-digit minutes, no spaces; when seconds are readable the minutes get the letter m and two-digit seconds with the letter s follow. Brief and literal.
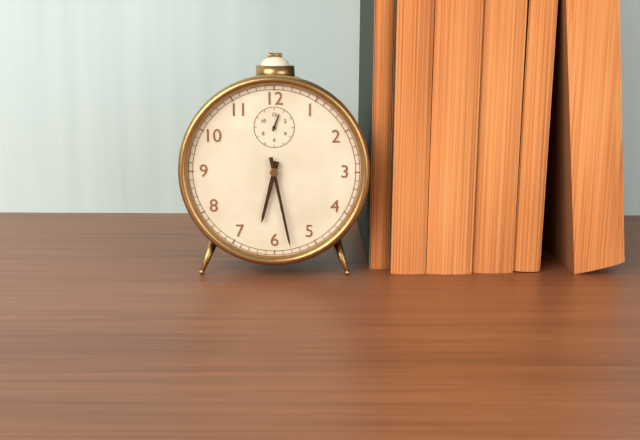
6h28
